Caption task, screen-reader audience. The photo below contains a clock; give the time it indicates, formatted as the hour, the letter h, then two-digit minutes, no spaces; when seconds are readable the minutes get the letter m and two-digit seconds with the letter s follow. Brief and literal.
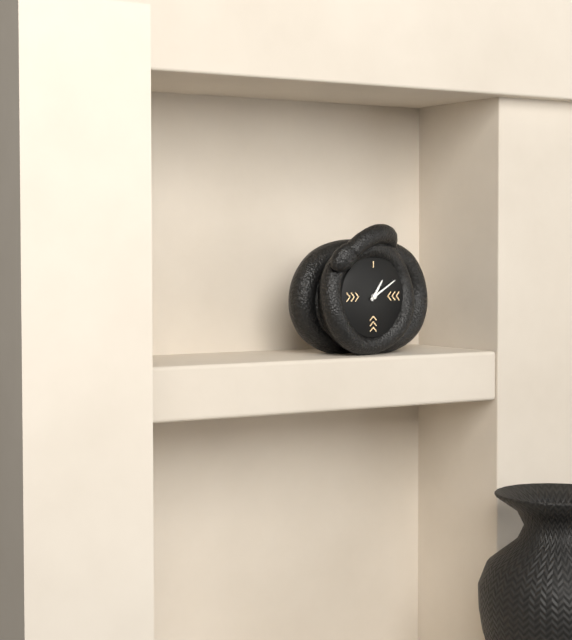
1h10
